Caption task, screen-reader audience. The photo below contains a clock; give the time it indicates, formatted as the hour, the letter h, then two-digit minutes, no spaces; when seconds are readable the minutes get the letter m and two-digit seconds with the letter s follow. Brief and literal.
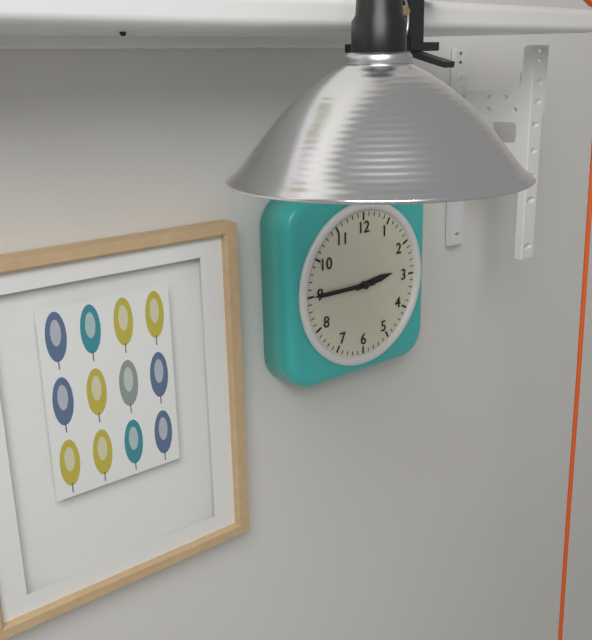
2h45
